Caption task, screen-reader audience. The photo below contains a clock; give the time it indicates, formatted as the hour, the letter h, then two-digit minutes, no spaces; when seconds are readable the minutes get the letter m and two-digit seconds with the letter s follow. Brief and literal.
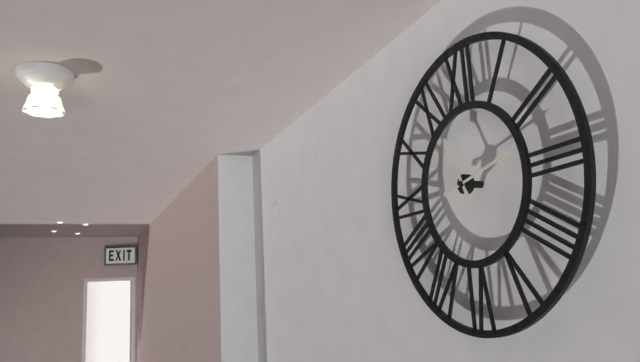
11h13
